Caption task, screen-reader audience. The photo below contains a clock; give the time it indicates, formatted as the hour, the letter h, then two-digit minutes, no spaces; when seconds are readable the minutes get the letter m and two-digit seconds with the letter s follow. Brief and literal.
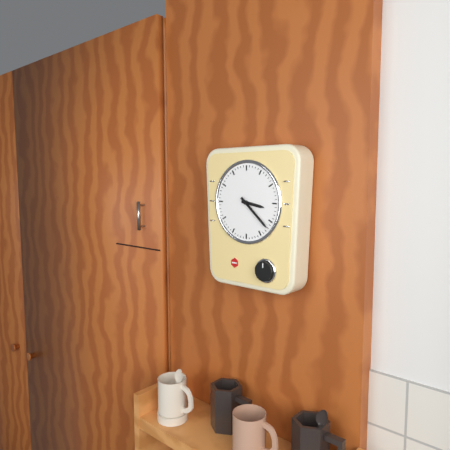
3h22
